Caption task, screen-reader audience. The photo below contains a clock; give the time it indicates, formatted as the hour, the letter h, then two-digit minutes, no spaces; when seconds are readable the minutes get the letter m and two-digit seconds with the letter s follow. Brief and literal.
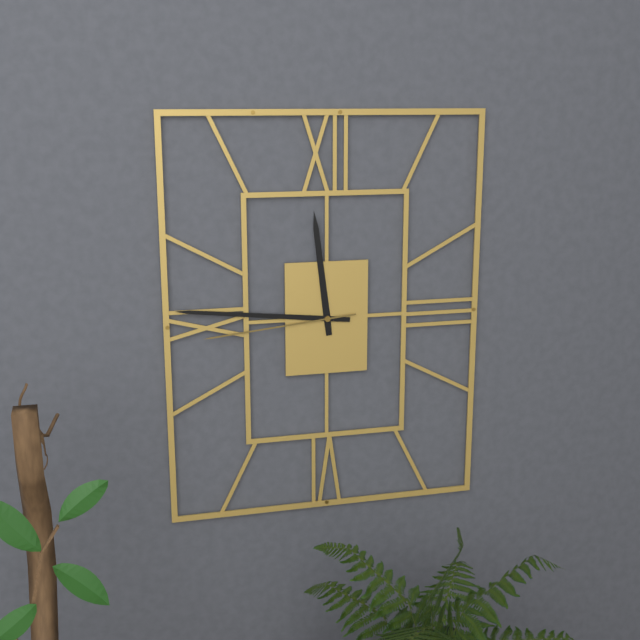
11h46m44s
